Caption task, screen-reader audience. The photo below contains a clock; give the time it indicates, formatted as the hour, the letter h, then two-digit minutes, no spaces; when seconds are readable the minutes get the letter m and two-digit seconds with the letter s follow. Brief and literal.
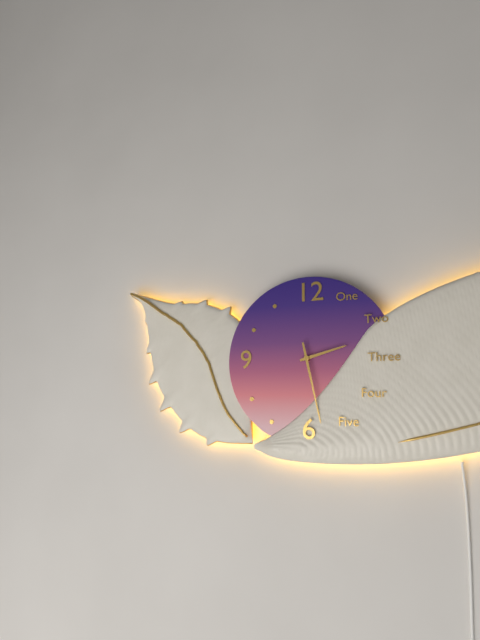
2h28
